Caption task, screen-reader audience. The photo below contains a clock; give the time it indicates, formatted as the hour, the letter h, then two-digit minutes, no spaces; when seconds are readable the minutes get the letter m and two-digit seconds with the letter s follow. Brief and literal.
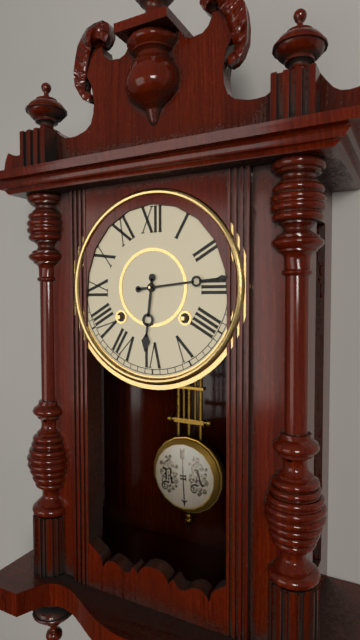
6h14
